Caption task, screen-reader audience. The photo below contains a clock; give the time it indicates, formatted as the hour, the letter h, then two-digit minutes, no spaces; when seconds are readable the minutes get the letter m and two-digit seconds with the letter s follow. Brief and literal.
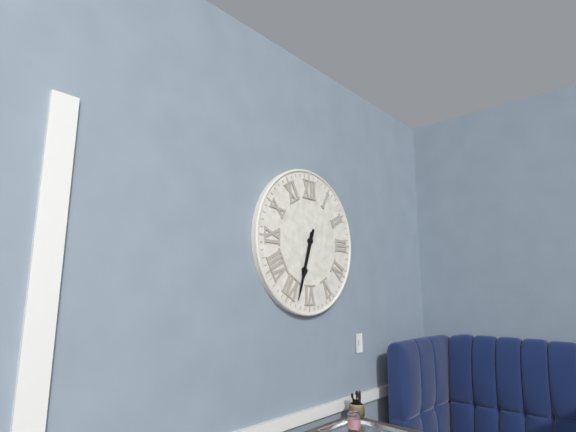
6h33
